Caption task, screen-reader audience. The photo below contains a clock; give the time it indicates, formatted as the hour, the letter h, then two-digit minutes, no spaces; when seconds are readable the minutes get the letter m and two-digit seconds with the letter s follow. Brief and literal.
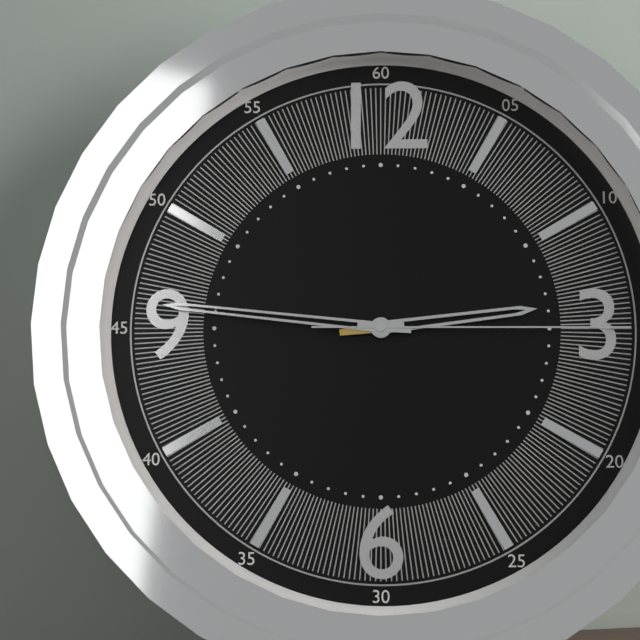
2h46m15s
